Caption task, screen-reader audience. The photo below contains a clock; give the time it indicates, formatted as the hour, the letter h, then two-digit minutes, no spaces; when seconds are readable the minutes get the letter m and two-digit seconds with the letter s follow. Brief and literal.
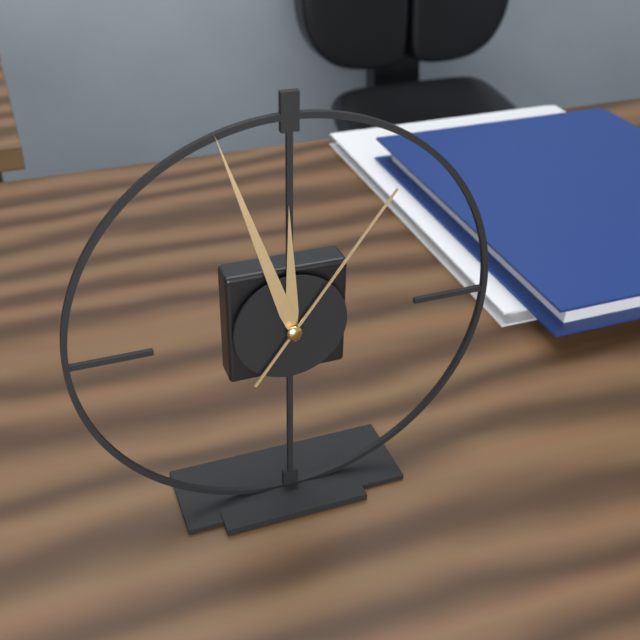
11h57m06s
